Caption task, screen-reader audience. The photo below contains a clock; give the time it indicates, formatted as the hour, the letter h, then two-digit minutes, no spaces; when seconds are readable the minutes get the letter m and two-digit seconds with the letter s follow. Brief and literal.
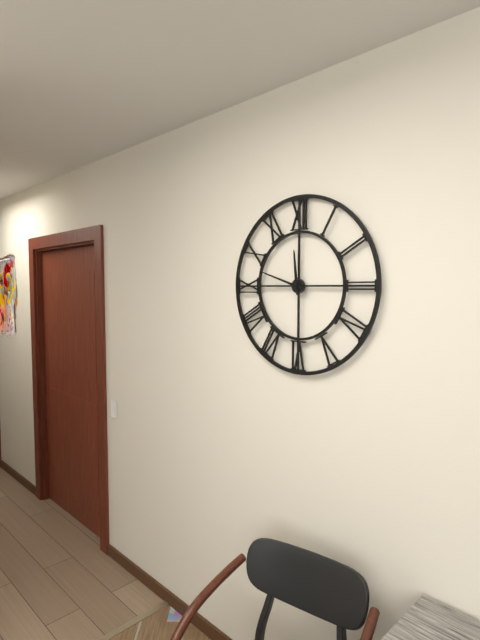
11h48
